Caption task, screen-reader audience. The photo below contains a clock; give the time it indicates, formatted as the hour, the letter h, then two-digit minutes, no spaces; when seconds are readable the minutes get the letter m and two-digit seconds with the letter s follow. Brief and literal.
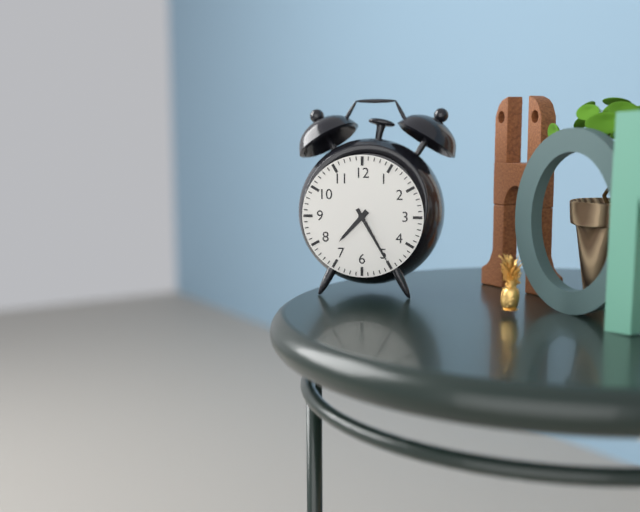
7h25
